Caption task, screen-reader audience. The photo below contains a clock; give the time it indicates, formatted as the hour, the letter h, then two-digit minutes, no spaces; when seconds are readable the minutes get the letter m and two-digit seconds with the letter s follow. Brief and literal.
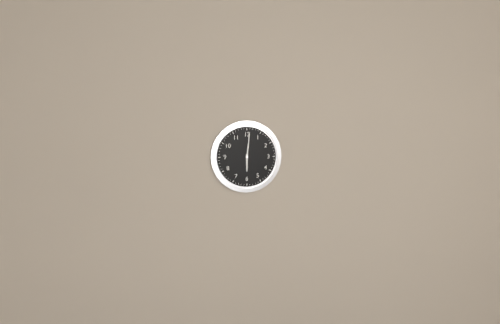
6h01
